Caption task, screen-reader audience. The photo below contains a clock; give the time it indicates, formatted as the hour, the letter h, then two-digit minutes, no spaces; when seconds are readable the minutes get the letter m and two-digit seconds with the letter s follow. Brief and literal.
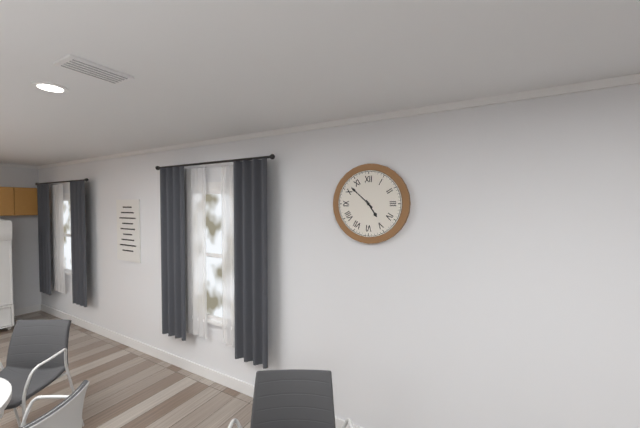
4h52
